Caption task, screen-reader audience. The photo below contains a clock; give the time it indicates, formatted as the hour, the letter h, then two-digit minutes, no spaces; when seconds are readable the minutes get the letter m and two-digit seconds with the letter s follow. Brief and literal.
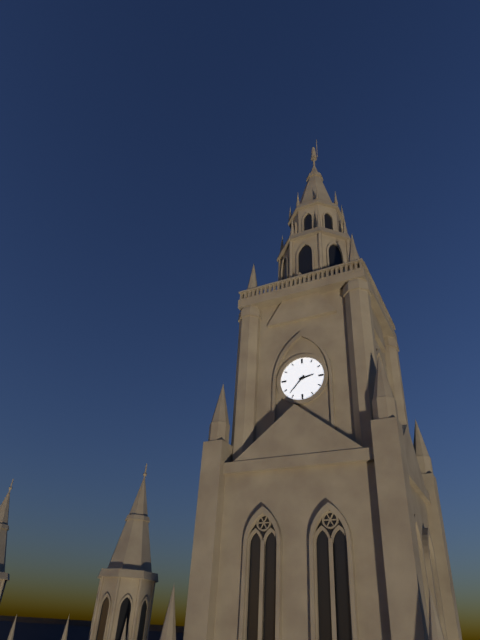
2h37
